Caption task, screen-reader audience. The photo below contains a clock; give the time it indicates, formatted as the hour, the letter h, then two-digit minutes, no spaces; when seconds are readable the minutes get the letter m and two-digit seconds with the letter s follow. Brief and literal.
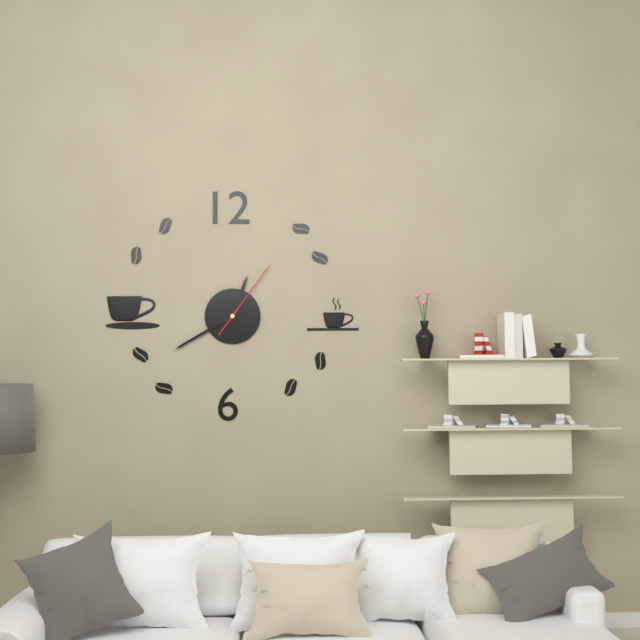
12h40m06s
